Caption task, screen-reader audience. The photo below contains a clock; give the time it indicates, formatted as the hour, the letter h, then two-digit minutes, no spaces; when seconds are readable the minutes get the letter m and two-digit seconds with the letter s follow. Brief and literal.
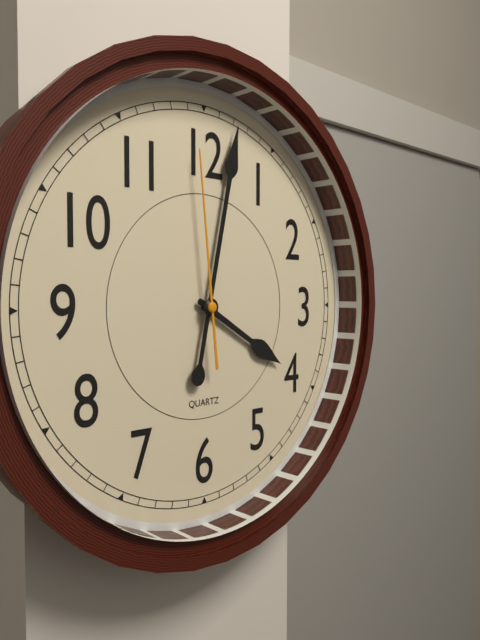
4h02m59s
